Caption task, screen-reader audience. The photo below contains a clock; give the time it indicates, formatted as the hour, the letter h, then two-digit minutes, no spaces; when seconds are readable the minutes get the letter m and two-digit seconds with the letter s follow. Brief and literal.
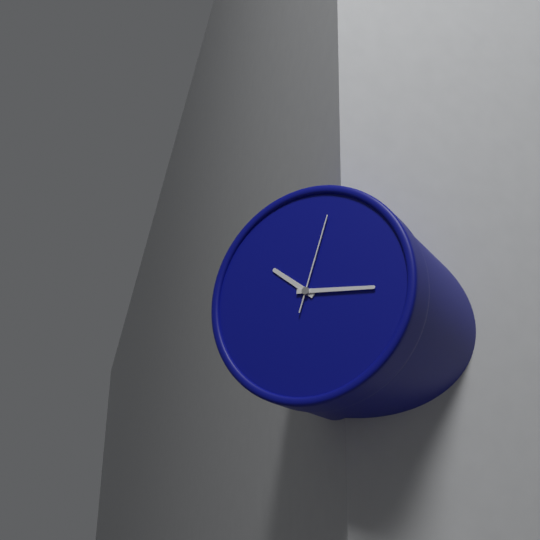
10h16m03s
